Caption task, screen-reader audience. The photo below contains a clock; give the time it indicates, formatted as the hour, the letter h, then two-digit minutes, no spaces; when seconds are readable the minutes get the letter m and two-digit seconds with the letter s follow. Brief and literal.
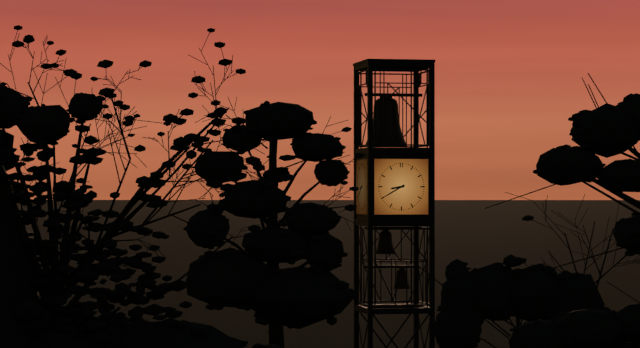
8h40
